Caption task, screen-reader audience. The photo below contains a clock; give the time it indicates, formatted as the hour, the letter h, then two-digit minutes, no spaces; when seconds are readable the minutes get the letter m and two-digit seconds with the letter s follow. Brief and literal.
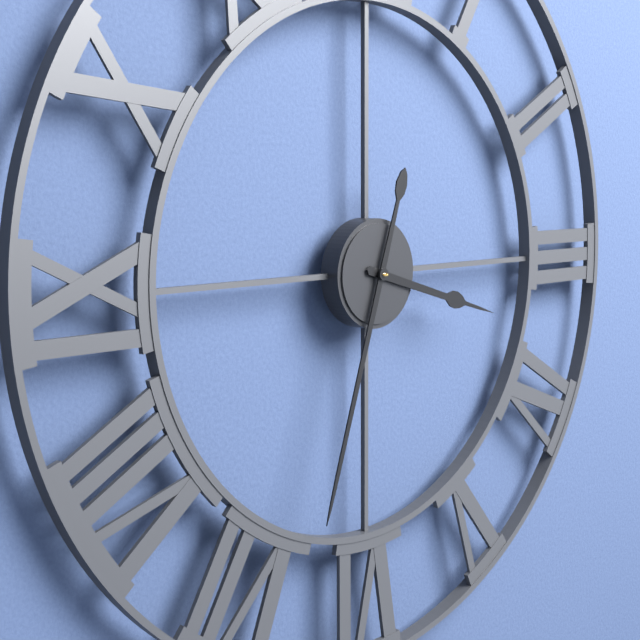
3h33
